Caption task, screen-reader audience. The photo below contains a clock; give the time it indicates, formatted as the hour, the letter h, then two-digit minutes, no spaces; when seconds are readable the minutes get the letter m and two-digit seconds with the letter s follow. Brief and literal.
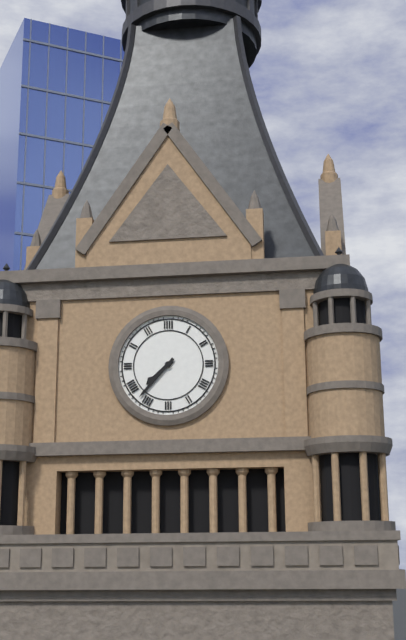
7h37
